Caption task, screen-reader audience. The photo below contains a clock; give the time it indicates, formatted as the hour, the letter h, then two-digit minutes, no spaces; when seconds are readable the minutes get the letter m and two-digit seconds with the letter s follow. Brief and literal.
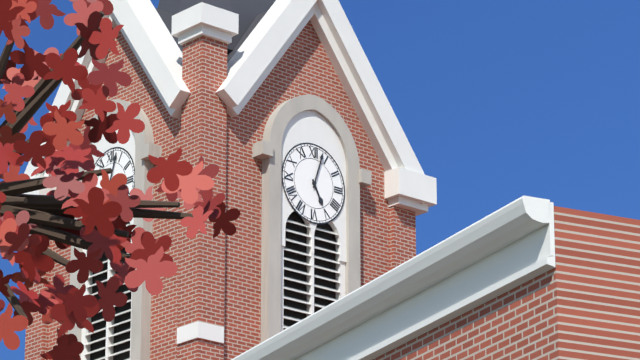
5h03
